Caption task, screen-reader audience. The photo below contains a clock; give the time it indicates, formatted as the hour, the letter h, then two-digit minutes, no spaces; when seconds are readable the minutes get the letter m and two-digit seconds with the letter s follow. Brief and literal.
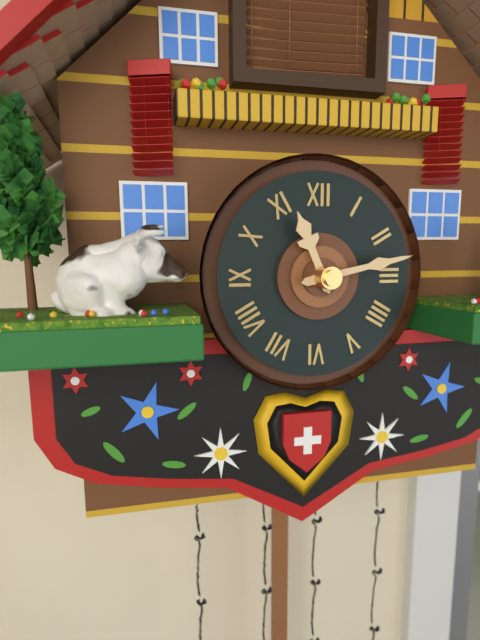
11h13
